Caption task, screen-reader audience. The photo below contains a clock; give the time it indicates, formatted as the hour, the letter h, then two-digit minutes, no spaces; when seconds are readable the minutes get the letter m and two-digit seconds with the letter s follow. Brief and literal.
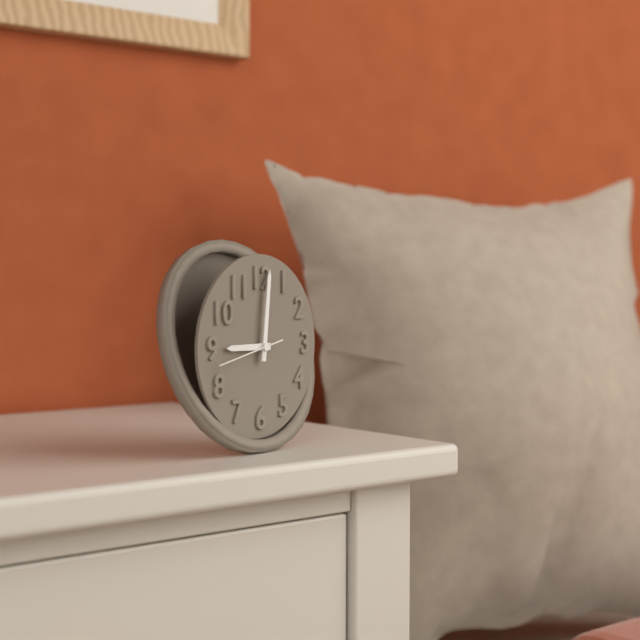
9h01m43s
